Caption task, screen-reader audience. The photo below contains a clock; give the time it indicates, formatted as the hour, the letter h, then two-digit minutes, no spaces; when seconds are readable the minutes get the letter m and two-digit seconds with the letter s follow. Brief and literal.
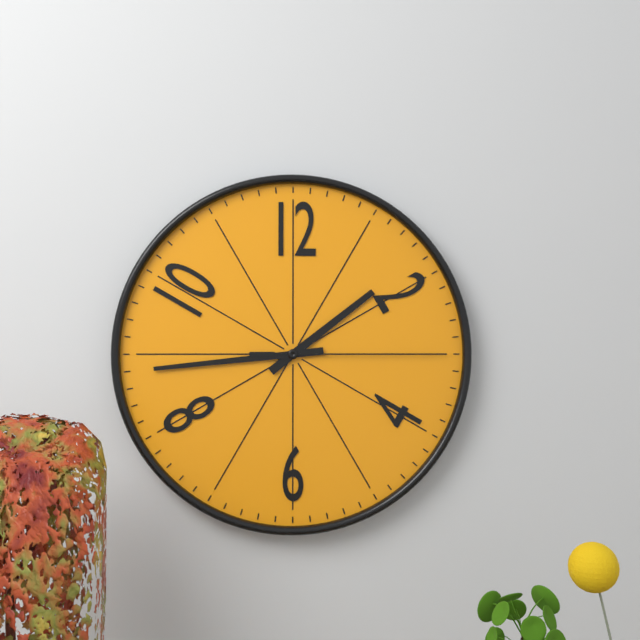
1h44m15s
